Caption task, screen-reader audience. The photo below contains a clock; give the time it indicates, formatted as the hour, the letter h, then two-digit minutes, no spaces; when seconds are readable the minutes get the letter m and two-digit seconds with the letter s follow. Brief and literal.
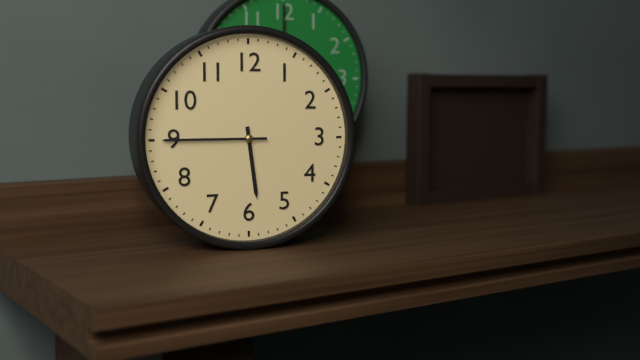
5h45
